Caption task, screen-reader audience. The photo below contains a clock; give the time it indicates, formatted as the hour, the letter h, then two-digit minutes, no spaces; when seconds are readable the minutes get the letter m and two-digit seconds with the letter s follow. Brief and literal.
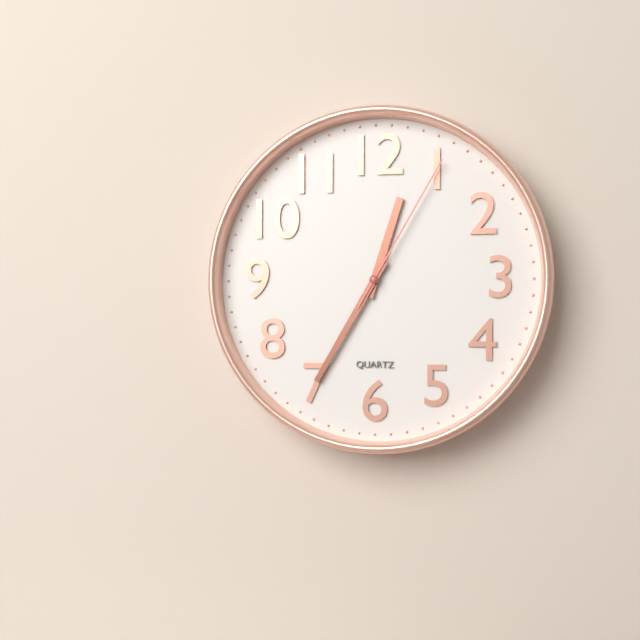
12h35m05s
